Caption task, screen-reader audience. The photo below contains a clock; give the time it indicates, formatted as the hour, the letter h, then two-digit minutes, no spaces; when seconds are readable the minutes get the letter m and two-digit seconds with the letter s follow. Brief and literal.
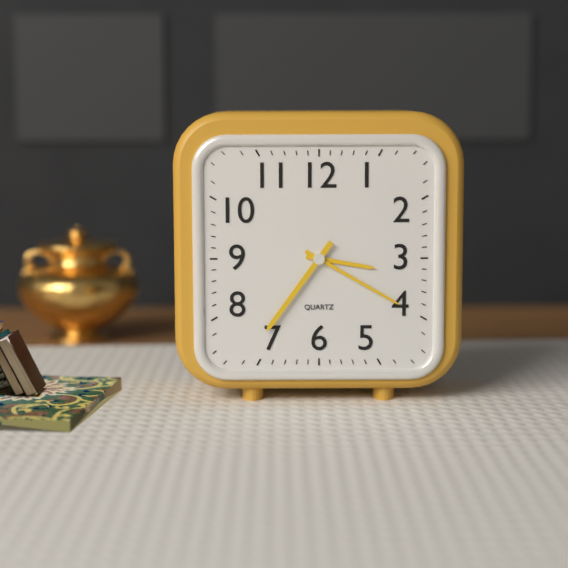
3h20m36s
